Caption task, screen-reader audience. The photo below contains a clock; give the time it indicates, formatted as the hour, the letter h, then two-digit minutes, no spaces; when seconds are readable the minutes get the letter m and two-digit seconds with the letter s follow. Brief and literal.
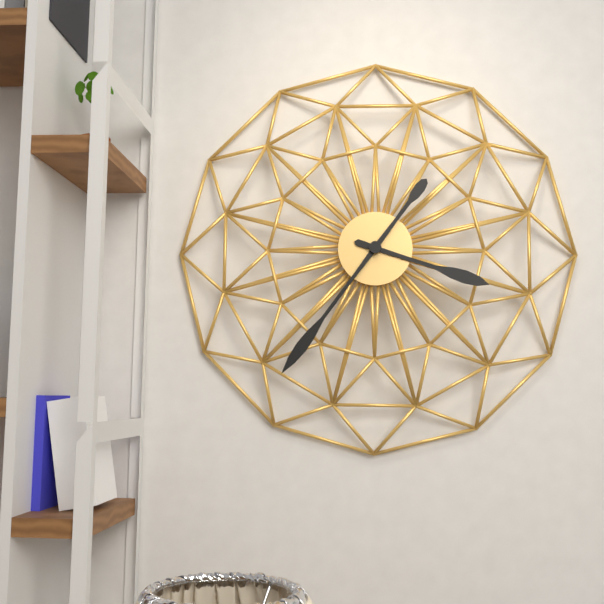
3h36
